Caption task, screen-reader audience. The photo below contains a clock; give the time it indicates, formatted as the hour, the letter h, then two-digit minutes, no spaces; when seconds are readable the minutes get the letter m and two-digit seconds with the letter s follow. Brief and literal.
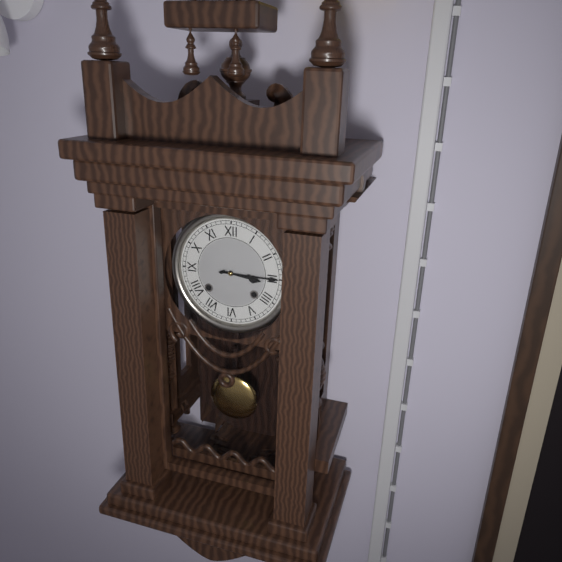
3h15
